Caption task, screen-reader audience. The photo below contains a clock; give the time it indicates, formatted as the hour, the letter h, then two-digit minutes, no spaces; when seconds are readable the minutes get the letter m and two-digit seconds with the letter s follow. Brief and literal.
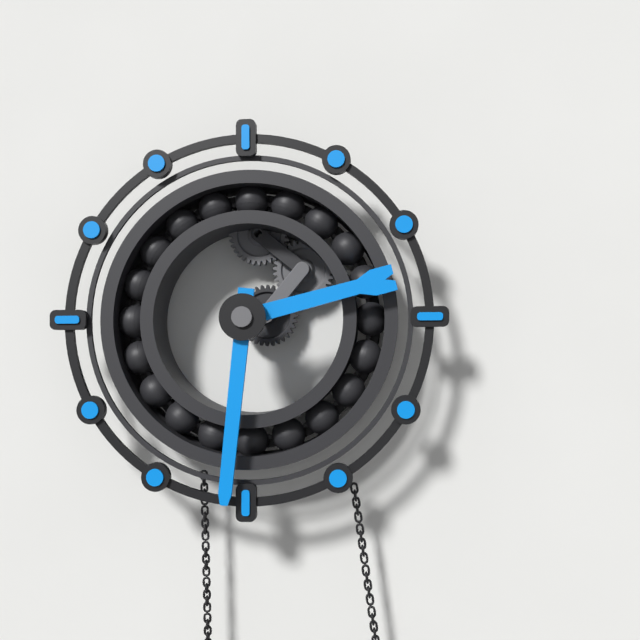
2h31
